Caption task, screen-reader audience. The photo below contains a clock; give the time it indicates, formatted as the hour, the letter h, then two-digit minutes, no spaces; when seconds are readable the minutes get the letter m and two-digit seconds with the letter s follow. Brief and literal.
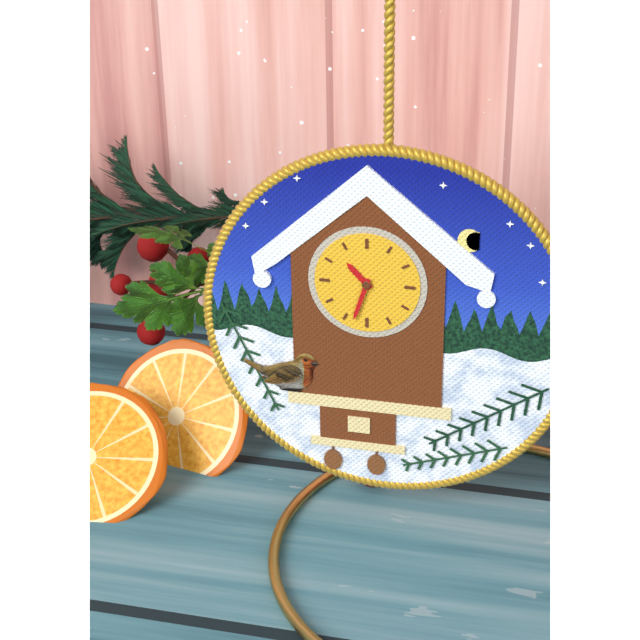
10h33
